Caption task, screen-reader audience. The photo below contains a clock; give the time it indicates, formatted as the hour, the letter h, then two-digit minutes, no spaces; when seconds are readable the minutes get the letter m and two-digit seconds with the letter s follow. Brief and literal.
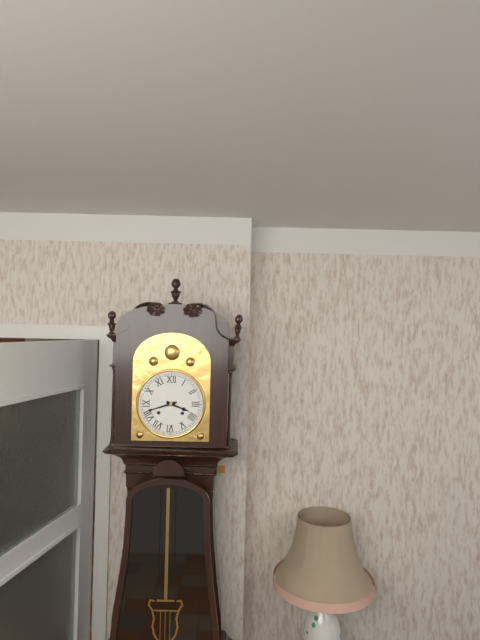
3h42
